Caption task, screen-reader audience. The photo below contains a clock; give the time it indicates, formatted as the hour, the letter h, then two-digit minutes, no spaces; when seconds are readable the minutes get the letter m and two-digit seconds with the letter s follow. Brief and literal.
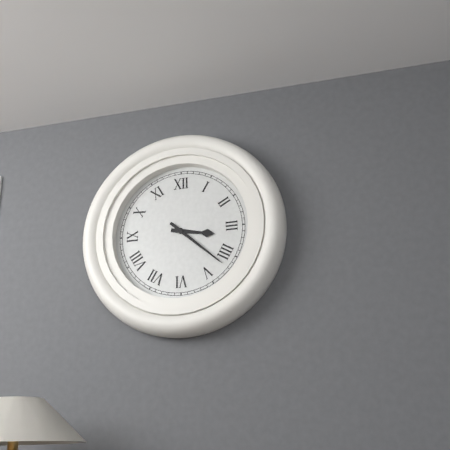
3h22
